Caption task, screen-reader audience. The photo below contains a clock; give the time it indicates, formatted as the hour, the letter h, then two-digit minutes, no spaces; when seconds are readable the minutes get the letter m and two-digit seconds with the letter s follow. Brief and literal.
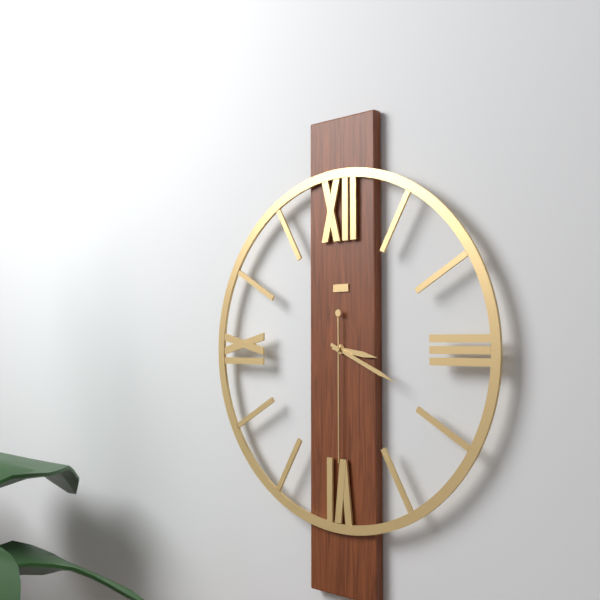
3h19m30s
